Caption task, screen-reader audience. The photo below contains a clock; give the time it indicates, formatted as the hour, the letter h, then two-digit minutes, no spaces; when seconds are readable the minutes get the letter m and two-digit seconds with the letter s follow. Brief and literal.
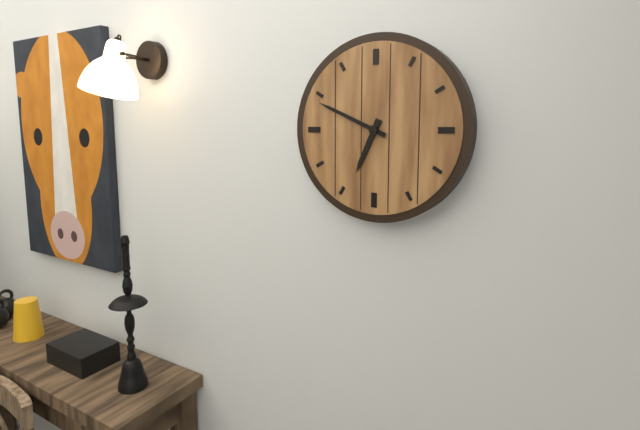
6h49
